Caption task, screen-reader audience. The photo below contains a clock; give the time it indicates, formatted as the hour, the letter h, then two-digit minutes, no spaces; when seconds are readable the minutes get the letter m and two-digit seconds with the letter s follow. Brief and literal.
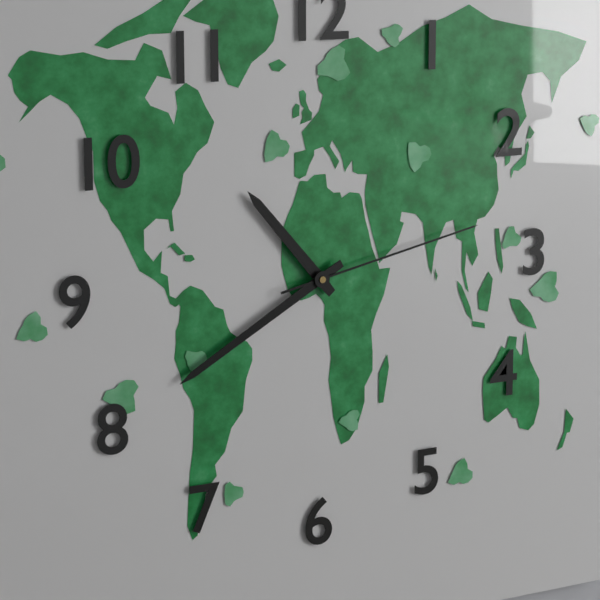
10h40m13s
